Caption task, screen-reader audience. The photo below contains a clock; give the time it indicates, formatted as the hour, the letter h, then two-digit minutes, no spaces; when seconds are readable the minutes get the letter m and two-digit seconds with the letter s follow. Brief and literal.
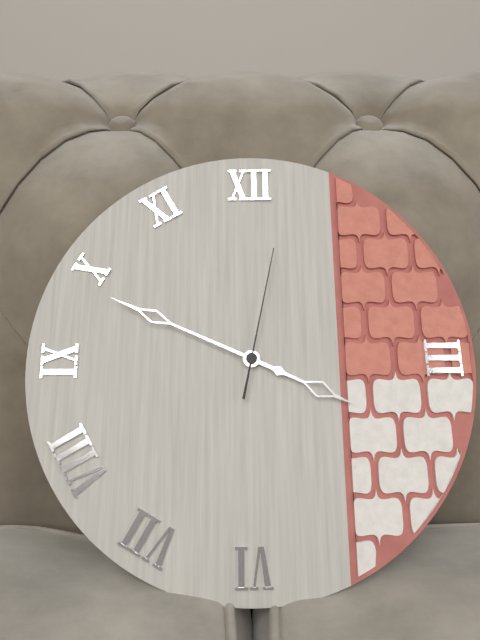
3h49m02s
